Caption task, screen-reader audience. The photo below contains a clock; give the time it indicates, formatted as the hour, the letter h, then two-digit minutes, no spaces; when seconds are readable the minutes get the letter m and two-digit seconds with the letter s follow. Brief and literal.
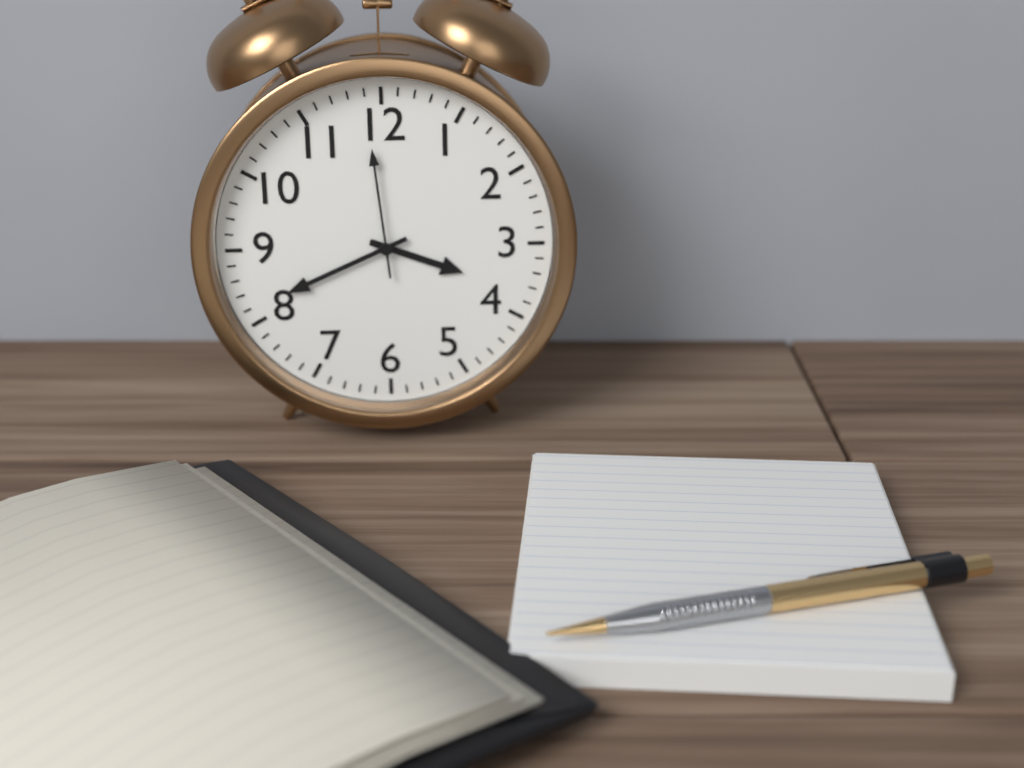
3h41m59s
